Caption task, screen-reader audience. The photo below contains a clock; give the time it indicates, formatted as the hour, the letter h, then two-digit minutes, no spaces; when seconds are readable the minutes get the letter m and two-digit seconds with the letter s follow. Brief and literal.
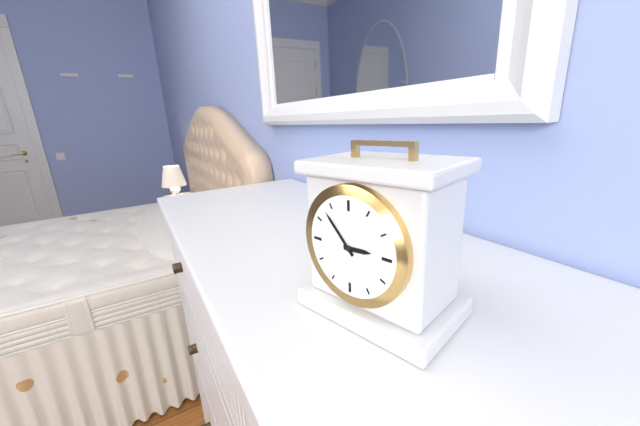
2h53
